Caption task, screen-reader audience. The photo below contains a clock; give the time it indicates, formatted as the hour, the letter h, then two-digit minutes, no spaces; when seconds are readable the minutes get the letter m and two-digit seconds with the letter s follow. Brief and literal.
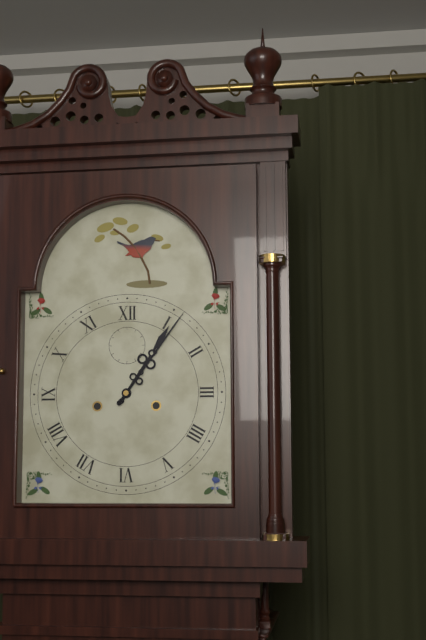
1h06
